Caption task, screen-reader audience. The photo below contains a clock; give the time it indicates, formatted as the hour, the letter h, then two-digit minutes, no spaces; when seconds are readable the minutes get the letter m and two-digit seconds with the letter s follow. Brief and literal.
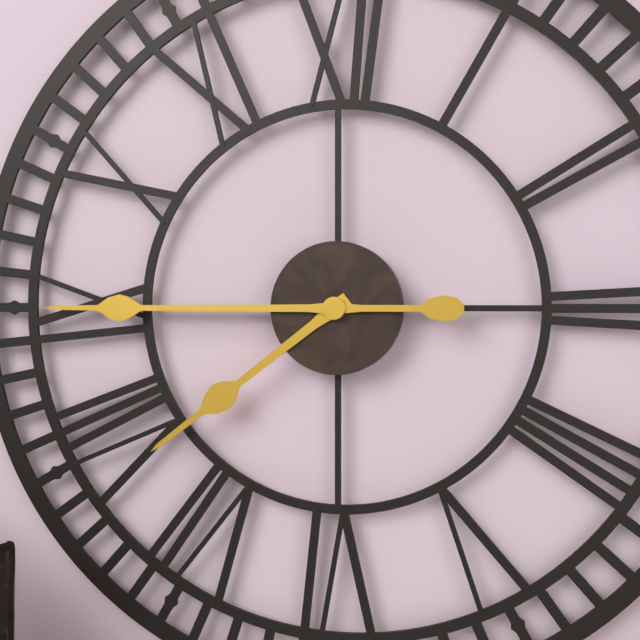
7h45
